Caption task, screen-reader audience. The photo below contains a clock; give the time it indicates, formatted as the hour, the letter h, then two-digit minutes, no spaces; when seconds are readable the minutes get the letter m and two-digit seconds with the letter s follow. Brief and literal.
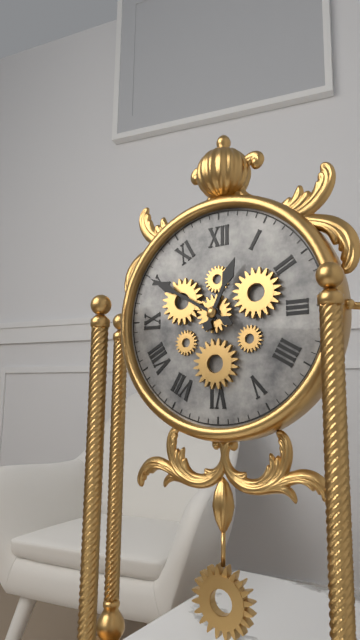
12h50
